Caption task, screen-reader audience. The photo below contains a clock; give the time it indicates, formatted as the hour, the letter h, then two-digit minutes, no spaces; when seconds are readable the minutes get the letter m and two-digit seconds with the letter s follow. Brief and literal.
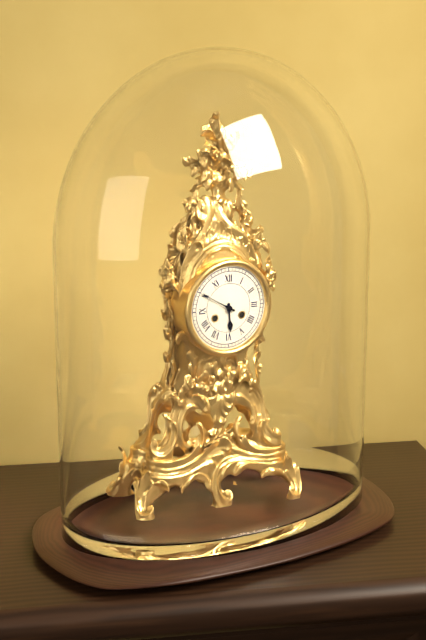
5h50
